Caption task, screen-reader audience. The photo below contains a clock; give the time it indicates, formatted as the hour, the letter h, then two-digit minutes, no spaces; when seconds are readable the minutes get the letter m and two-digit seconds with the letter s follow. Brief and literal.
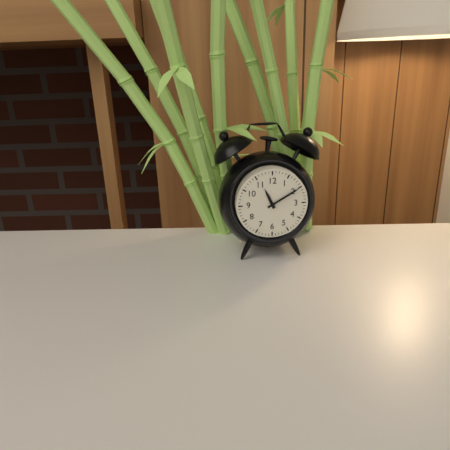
11h10
